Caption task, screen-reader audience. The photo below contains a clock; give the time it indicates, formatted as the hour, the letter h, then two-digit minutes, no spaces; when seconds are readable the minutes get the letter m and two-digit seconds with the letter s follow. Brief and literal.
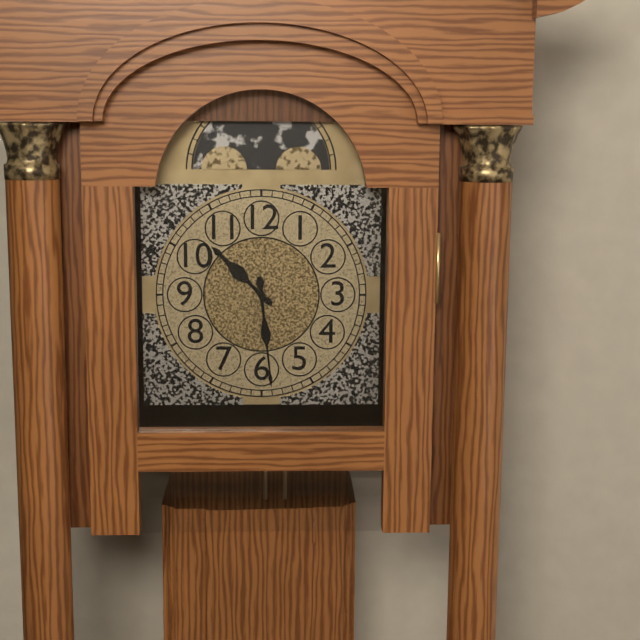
10h29
